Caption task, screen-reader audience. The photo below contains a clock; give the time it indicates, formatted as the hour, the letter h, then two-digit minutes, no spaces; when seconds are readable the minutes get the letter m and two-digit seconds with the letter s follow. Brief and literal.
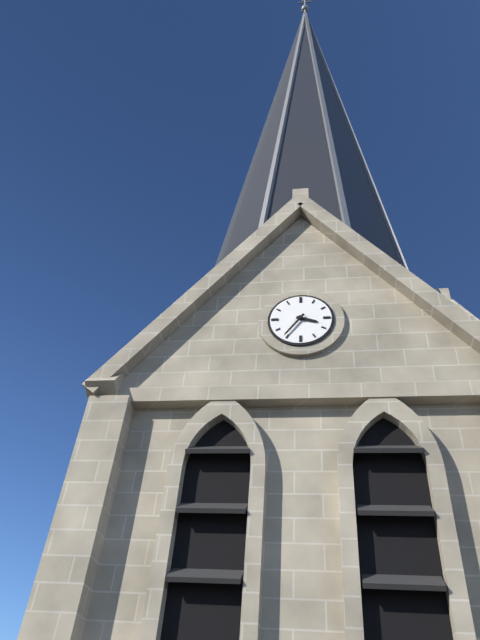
3h36
